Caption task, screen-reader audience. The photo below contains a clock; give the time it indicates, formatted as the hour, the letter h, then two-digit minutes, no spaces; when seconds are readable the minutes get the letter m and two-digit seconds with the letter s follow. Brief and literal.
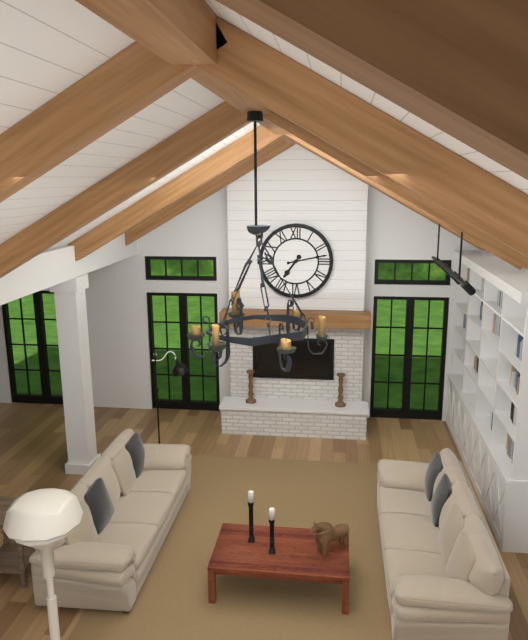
7h13
